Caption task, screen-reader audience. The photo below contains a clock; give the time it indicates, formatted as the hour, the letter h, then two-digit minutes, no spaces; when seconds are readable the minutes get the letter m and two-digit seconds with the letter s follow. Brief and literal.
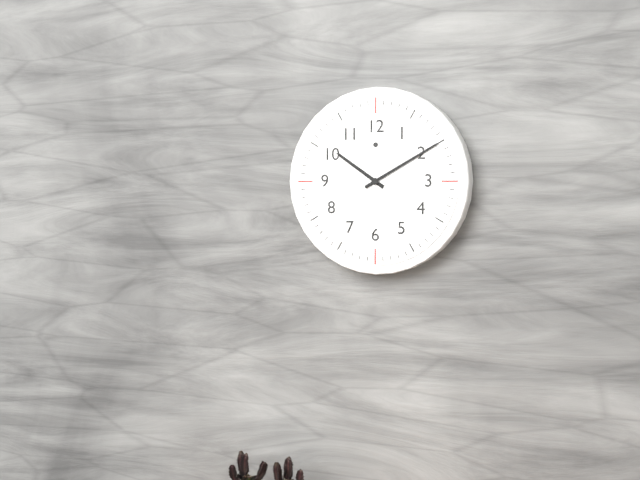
10h10
